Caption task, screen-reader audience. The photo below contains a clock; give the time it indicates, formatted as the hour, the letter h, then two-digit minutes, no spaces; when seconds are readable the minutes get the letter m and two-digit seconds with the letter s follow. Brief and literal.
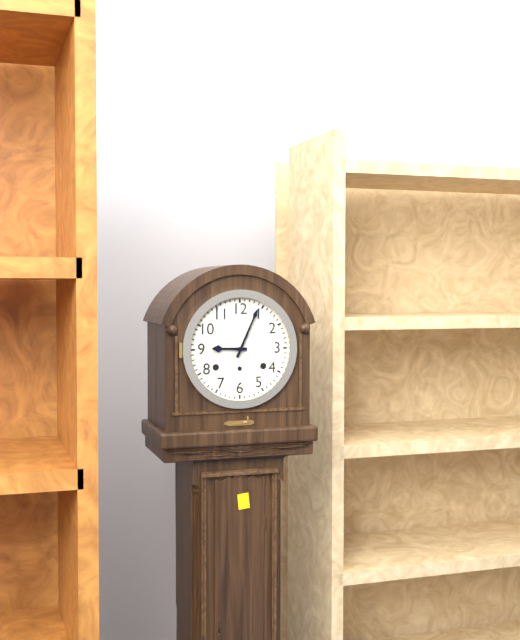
9h04
